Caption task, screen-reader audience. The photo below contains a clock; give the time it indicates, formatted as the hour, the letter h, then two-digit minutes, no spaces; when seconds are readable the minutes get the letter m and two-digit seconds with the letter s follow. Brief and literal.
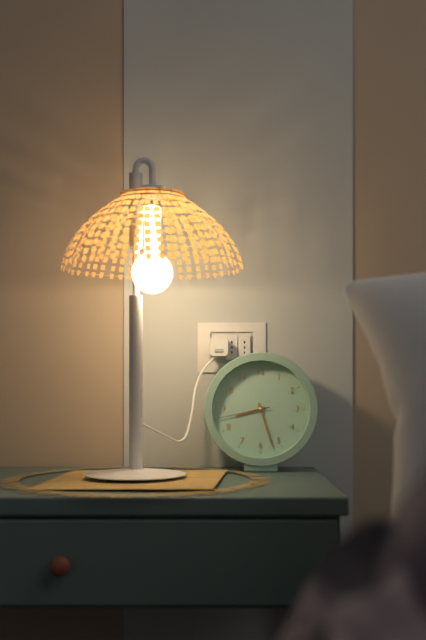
8h27m43s
